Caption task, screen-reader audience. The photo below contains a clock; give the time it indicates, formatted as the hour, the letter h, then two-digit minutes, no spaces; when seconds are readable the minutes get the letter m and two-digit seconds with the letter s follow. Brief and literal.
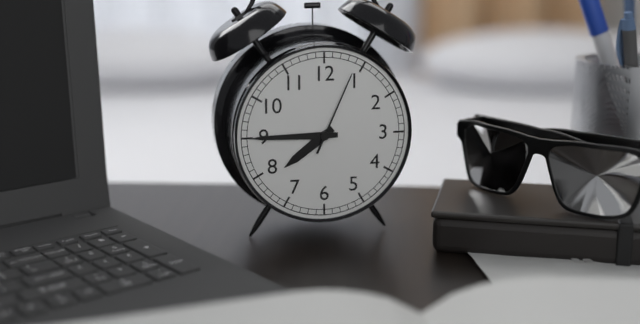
7h45m04s
